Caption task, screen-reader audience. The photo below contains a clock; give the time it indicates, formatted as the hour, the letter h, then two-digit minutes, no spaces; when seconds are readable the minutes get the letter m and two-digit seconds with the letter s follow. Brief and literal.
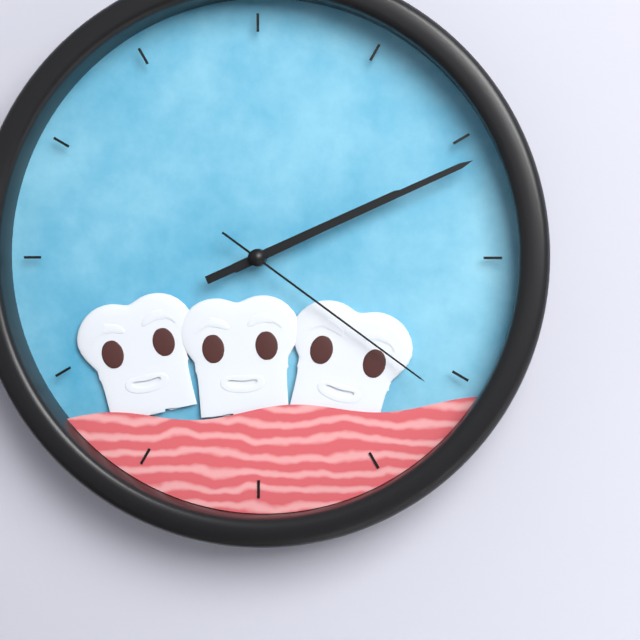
2h11m21s
